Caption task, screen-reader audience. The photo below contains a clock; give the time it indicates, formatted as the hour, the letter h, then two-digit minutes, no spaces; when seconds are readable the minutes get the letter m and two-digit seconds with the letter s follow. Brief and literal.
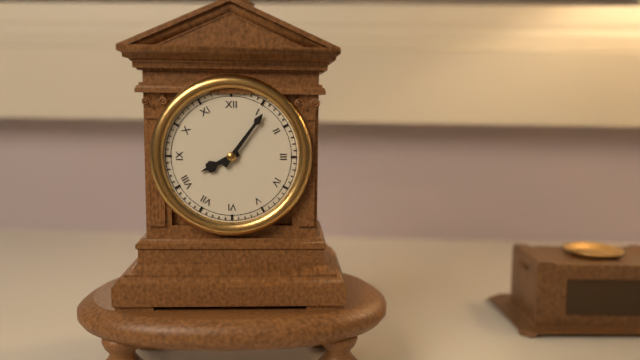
8h06
